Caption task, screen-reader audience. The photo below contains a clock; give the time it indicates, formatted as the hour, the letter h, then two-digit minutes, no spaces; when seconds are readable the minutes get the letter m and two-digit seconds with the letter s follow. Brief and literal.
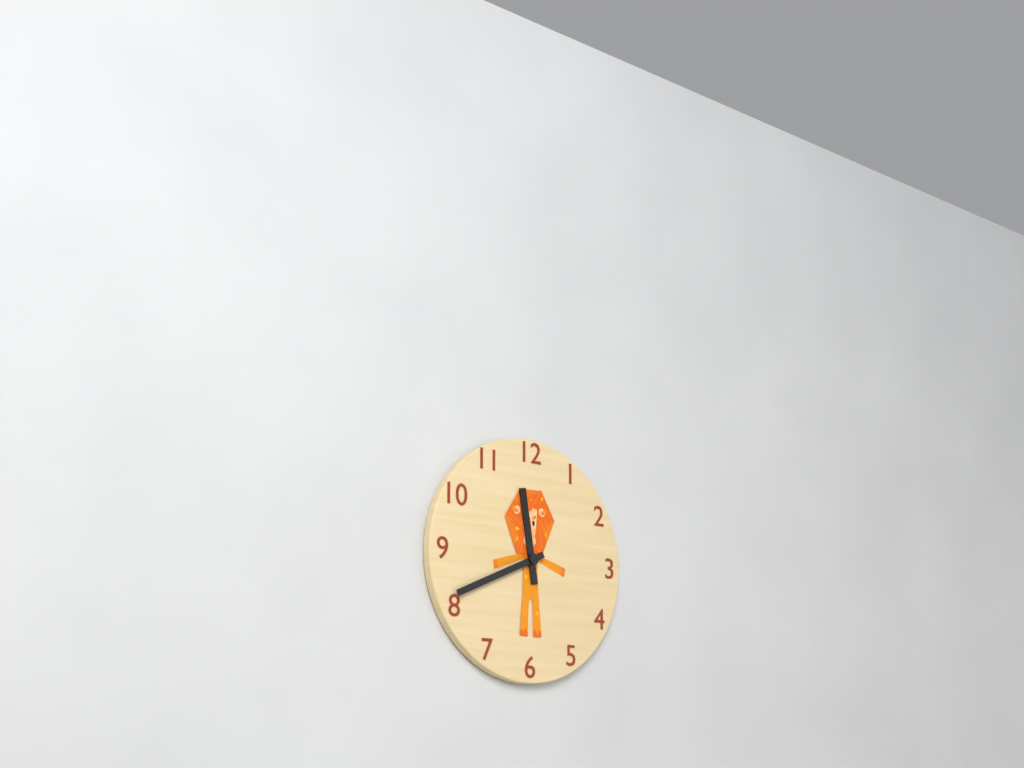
11h41
